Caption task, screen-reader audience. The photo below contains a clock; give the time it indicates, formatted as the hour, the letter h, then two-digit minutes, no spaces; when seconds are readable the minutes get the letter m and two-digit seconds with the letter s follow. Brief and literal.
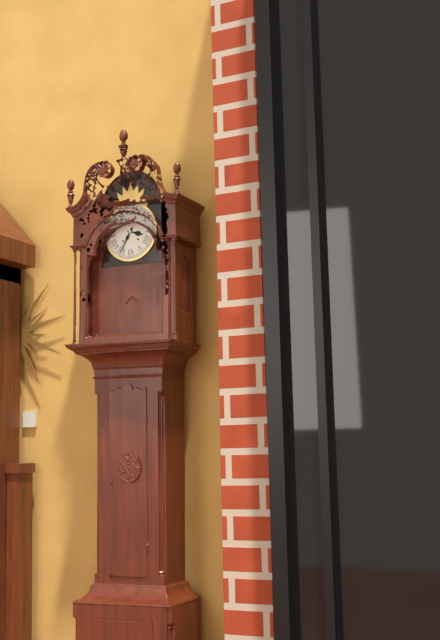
3h35
